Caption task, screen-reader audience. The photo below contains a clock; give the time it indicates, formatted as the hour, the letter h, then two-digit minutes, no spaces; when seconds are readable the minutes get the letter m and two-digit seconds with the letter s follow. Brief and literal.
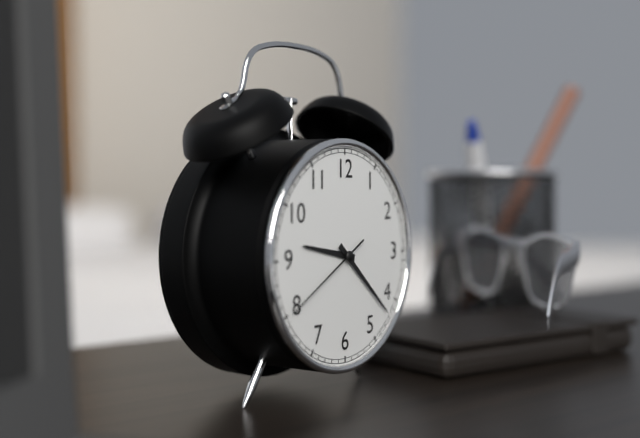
9h22m40s
